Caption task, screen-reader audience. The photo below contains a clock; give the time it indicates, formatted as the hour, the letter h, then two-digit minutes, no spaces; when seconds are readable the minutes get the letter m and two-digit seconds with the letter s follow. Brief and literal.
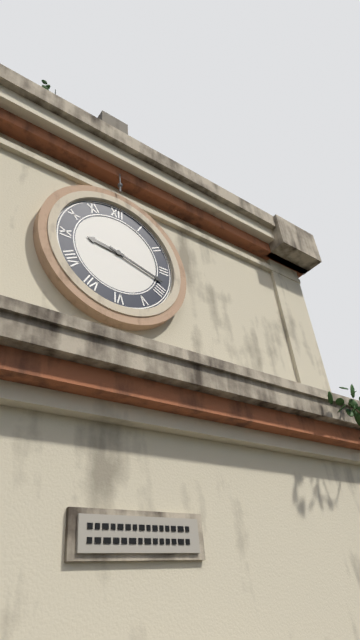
9h18
